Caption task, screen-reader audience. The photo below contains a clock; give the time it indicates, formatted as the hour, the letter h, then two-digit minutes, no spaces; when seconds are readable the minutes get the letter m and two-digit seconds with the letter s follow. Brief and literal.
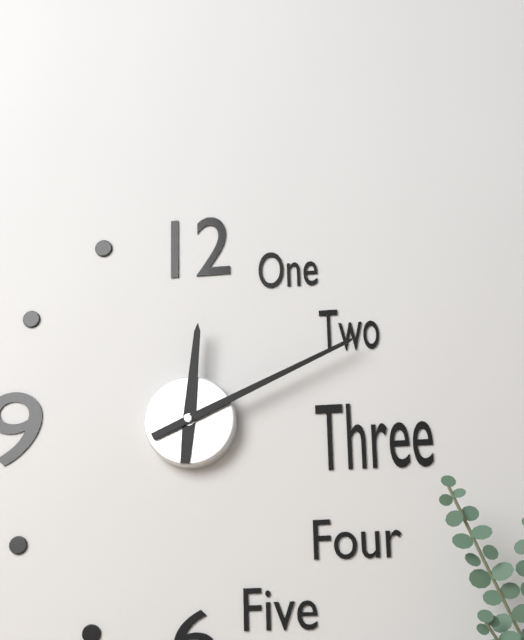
12h11
